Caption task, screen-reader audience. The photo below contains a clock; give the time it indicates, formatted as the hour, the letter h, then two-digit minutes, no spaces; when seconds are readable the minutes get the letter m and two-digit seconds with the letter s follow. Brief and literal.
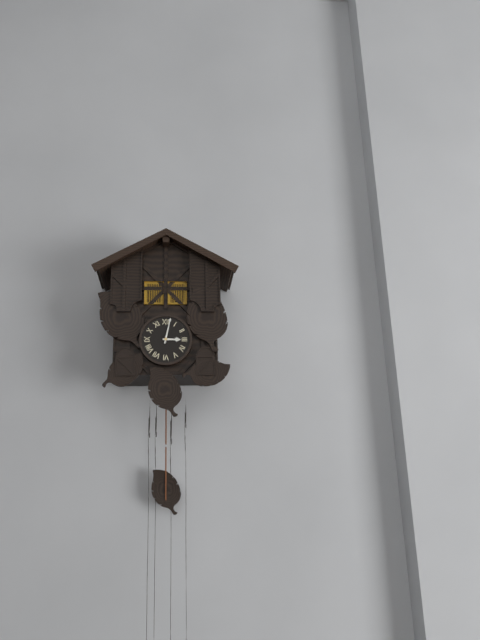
3h02
